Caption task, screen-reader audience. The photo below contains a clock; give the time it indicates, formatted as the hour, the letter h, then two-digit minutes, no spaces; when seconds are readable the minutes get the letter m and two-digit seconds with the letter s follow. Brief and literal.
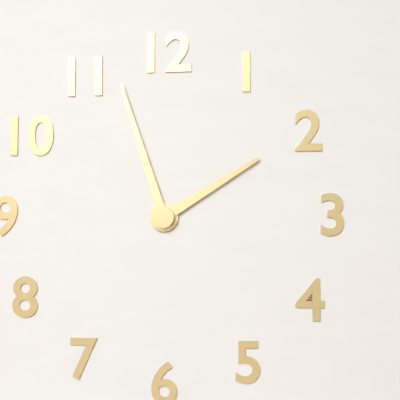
1h57
